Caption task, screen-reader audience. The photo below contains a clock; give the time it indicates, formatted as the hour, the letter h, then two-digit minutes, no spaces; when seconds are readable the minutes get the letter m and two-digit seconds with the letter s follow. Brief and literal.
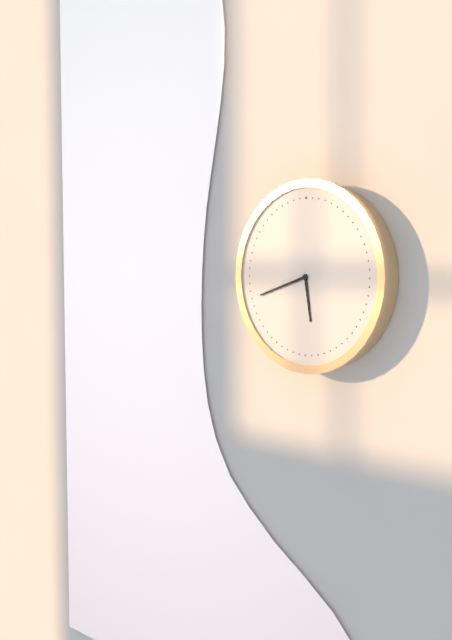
5h42
